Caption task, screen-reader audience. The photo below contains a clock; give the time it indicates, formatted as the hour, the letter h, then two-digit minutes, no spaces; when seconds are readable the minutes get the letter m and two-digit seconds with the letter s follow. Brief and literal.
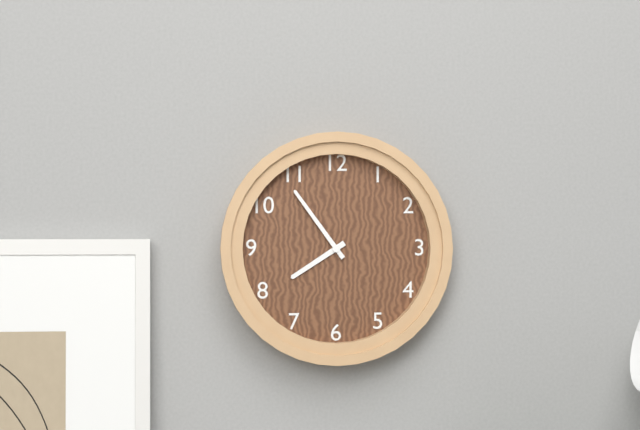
7h54
